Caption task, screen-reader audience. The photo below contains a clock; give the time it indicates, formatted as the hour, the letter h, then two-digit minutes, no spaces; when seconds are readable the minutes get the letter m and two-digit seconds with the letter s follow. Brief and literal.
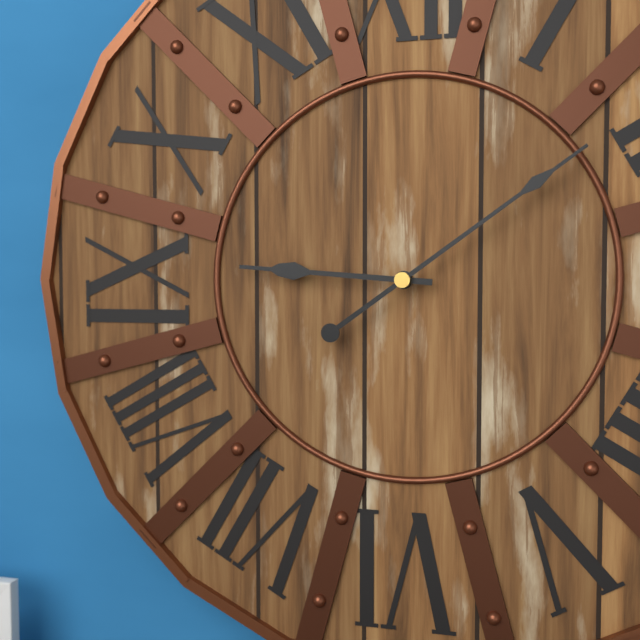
9h09
